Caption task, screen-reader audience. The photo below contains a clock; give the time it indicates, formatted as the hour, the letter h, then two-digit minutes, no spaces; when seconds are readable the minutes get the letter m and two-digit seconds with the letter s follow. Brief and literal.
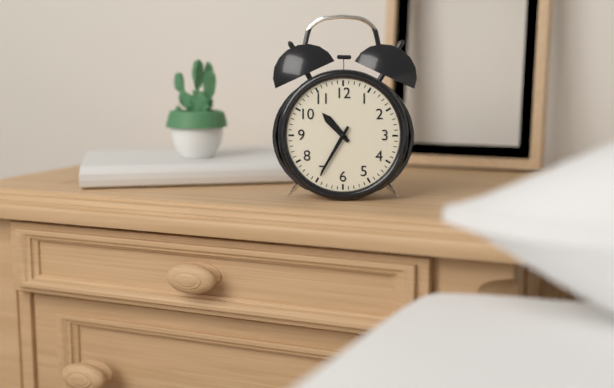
10h35
